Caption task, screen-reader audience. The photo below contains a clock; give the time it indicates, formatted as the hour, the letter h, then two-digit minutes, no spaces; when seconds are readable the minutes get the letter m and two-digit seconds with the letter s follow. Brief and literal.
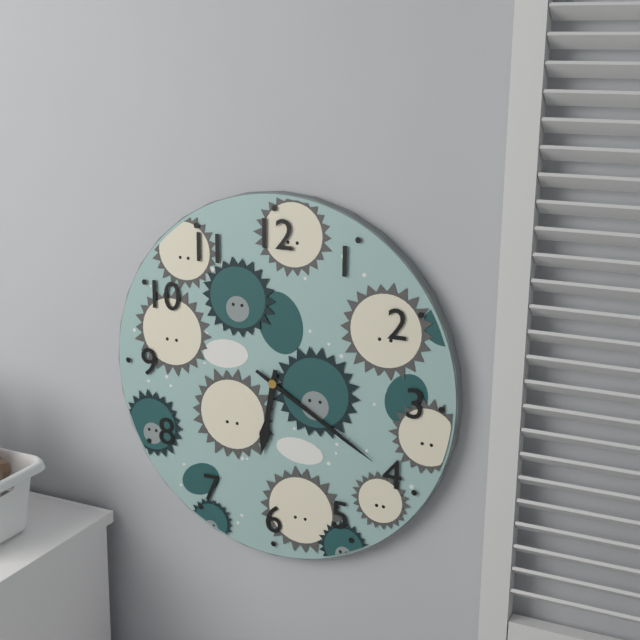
6h20
